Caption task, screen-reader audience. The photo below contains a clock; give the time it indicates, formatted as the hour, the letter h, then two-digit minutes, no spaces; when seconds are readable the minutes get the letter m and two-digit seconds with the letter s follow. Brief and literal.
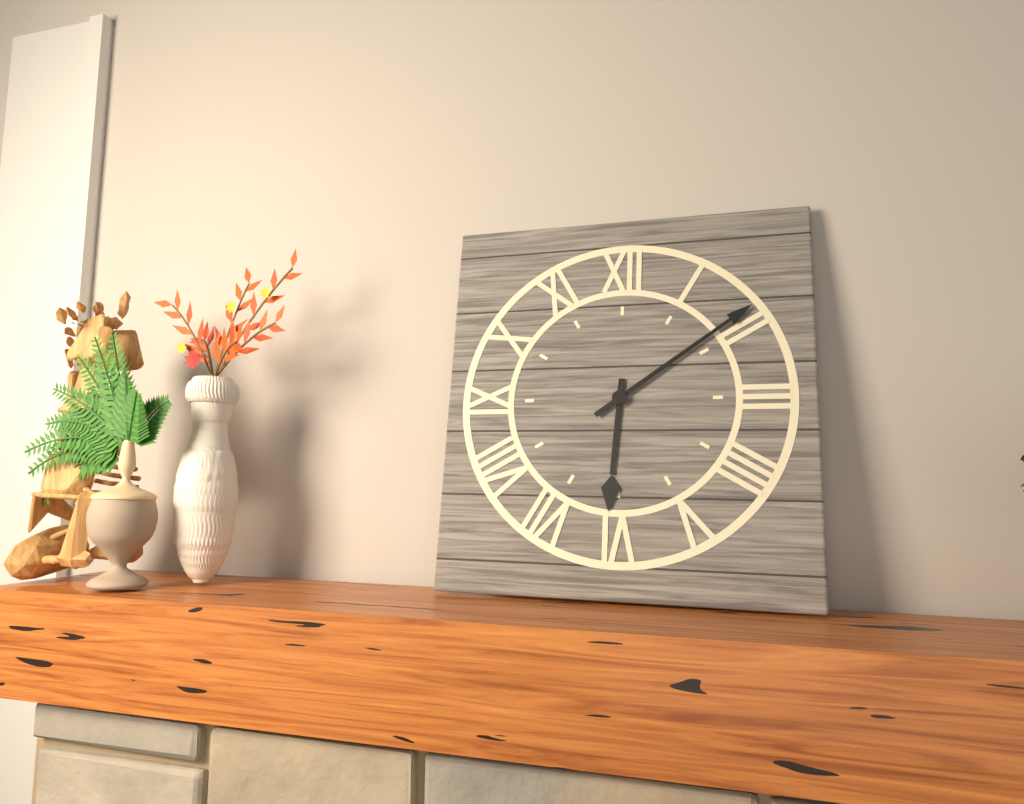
6h09
